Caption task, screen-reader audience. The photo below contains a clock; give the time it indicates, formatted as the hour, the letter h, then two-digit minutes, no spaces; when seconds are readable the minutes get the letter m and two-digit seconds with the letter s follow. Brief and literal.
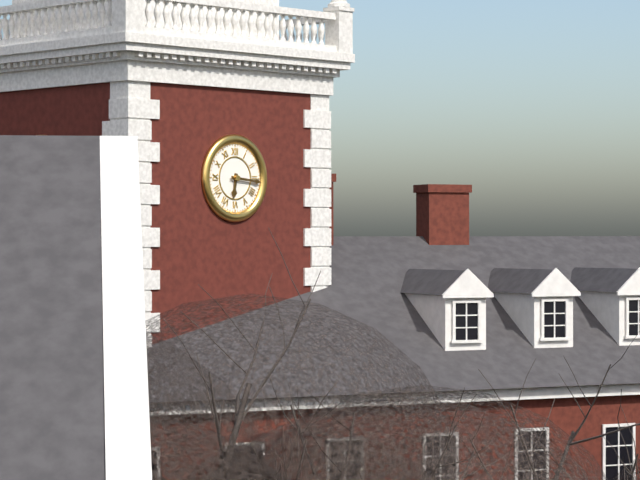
6h16
